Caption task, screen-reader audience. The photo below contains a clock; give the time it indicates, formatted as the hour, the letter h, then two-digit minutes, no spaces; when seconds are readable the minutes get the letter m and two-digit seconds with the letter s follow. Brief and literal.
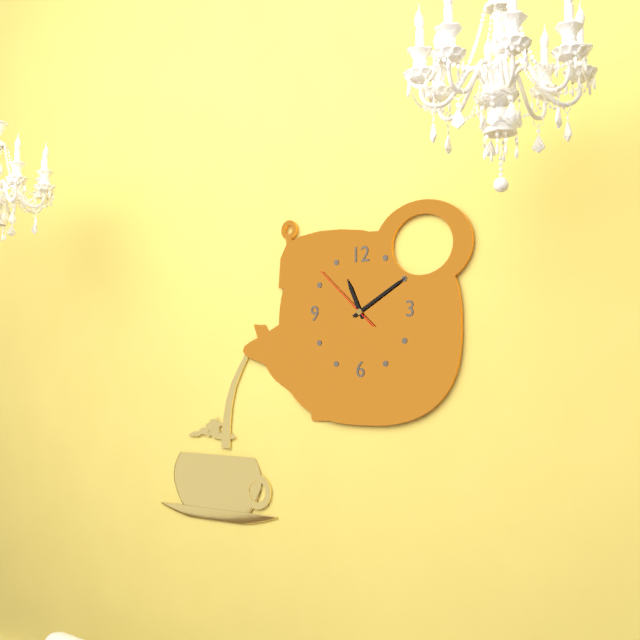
11h10m52s
